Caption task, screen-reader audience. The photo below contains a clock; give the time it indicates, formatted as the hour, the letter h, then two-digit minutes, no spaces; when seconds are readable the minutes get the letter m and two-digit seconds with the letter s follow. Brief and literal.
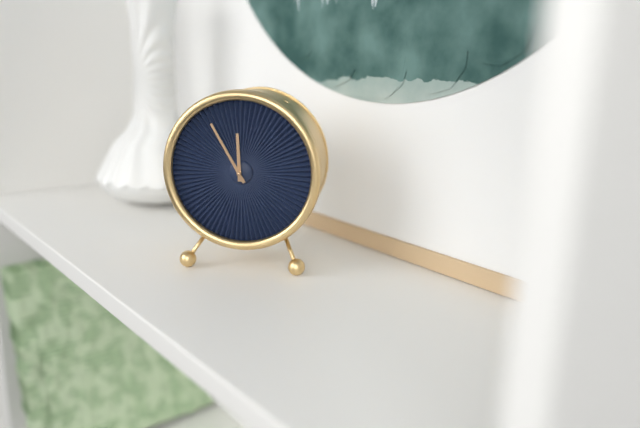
11h55
